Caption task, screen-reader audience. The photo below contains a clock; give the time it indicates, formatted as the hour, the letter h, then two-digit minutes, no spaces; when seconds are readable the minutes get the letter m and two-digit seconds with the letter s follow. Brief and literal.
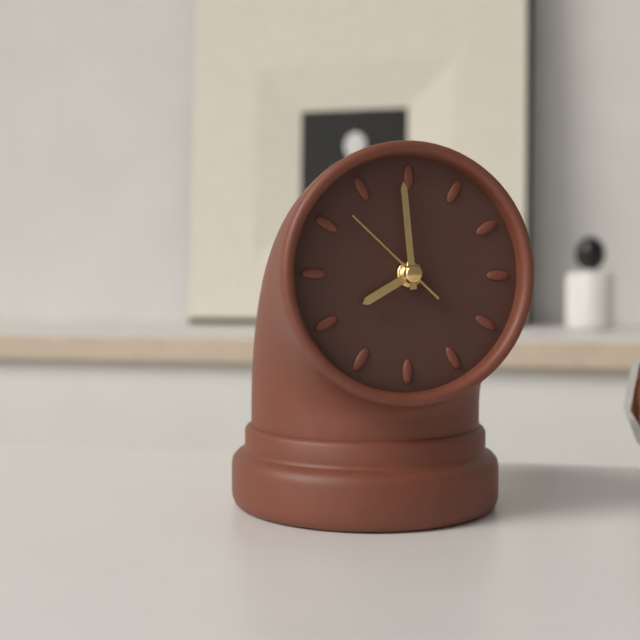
7h59m52s
